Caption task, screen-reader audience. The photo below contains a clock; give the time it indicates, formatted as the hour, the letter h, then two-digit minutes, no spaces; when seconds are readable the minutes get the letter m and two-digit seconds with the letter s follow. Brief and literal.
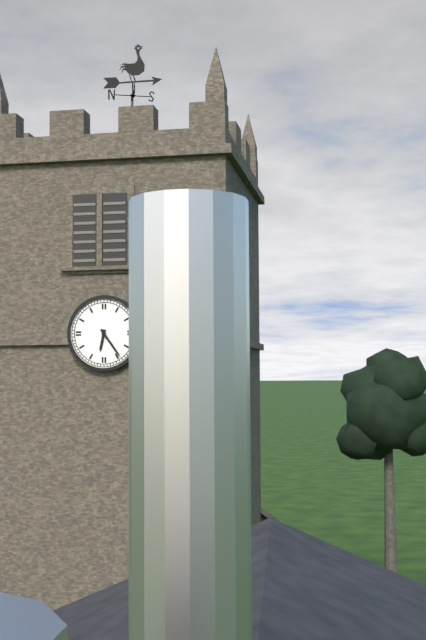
6h24
